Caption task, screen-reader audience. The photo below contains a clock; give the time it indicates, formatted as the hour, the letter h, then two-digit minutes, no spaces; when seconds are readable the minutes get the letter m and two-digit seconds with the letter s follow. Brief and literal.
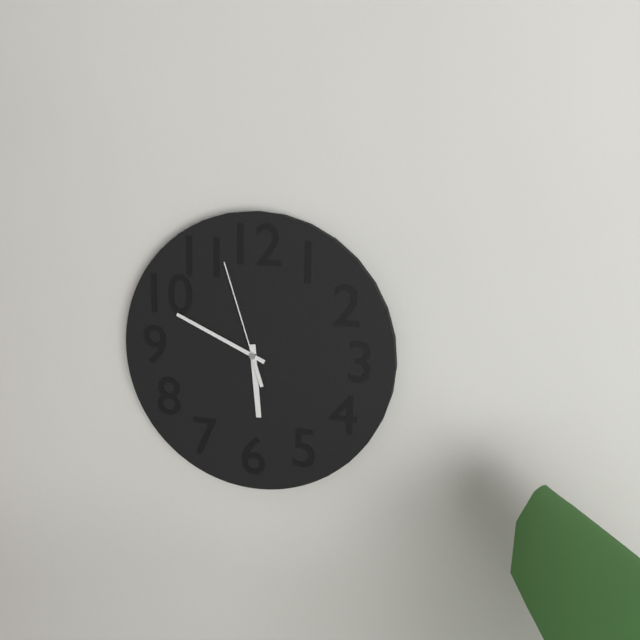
5h49m57s
